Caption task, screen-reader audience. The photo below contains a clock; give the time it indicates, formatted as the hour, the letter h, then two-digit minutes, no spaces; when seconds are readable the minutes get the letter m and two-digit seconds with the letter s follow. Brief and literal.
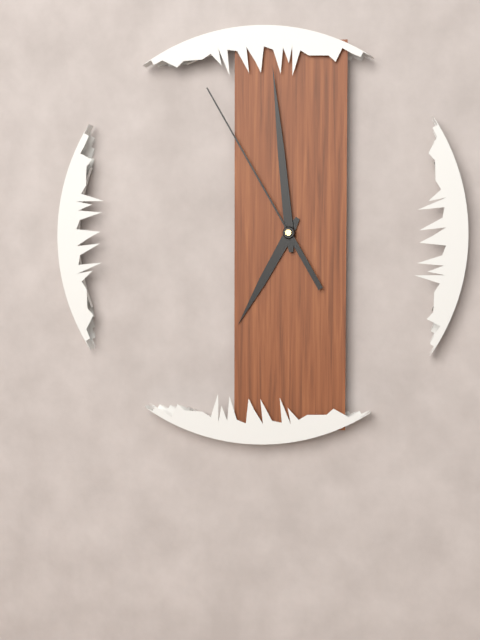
6h59m55s
